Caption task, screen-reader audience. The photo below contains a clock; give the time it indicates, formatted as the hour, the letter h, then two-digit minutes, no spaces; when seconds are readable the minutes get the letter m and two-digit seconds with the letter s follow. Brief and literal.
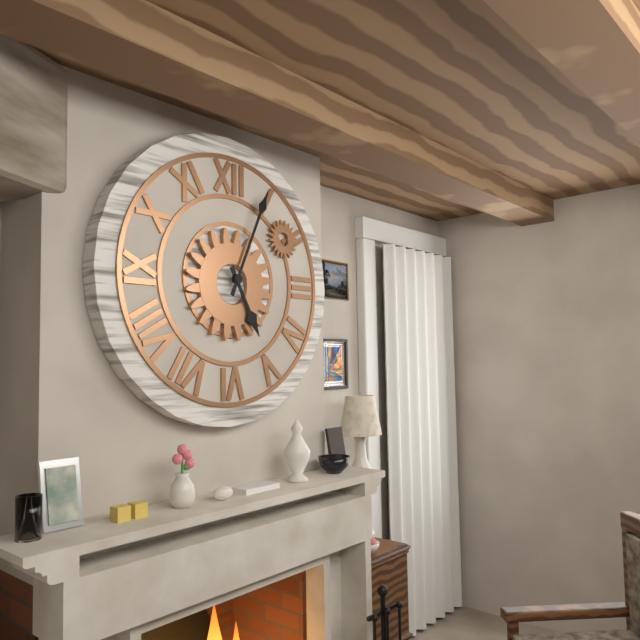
5h04
